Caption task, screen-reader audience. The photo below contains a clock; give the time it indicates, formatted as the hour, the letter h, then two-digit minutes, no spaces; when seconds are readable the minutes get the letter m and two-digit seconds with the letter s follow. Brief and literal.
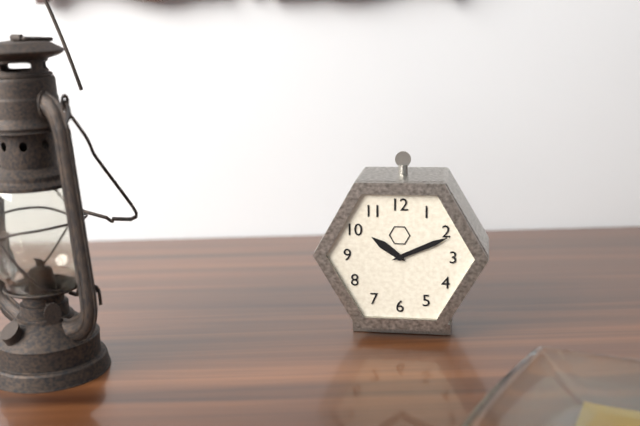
10h11
